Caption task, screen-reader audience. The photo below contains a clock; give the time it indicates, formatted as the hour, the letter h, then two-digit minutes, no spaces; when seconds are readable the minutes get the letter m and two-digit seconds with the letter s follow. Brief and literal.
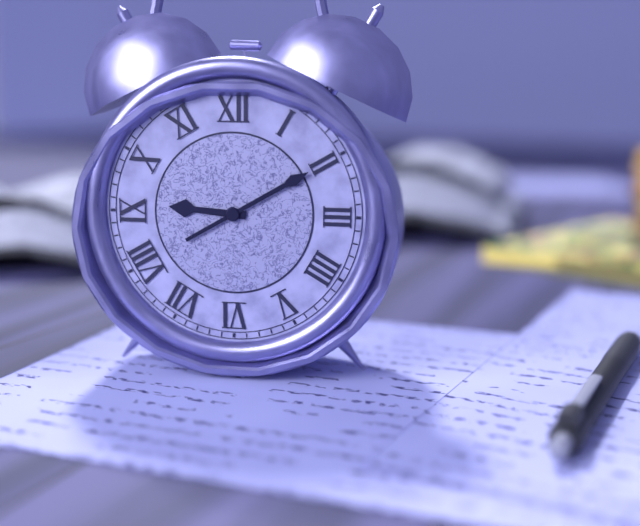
9h10
